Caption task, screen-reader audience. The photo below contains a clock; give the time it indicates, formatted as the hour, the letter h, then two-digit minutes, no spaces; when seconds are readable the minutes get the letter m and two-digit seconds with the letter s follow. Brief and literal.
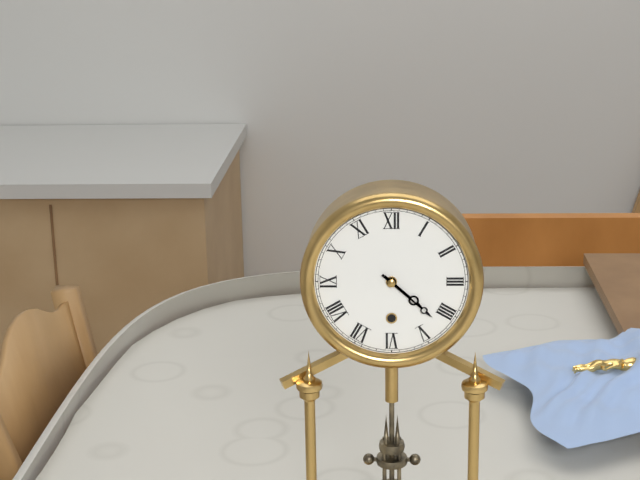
4h22
